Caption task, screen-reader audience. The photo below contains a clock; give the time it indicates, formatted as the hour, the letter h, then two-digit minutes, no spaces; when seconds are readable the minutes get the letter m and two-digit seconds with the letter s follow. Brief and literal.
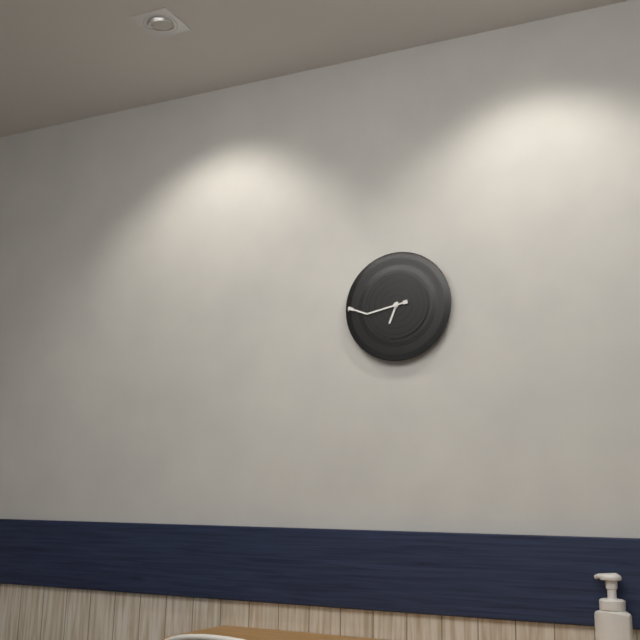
6h43
